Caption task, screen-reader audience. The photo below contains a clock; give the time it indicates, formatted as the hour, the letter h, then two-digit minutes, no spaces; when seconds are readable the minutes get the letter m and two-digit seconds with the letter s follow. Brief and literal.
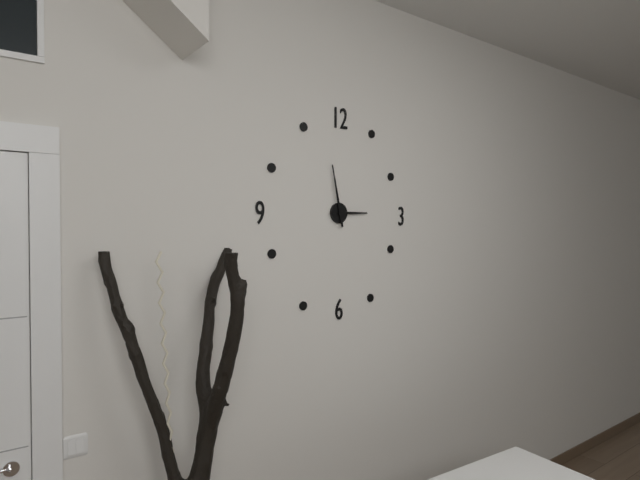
2h58
